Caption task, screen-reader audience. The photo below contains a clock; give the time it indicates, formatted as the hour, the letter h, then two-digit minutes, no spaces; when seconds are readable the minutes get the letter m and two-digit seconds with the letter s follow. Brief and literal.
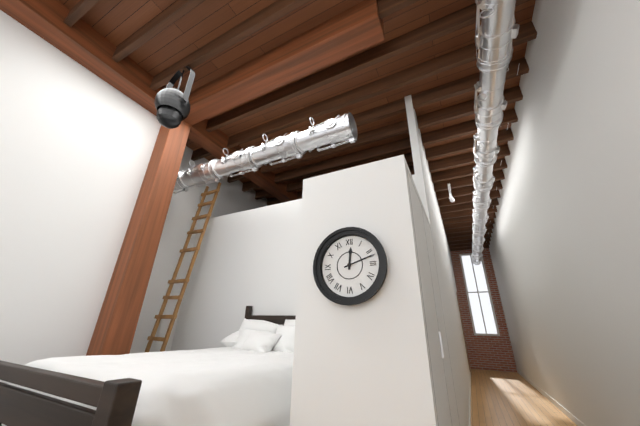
12h12
